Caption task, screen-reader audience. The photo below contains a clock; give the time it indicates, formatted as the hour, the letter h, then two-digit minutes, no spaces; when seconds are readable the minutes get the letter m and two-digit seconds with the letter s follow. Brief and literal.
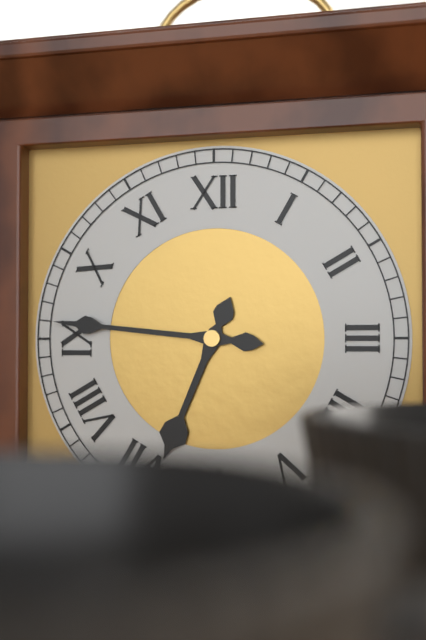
6h46
